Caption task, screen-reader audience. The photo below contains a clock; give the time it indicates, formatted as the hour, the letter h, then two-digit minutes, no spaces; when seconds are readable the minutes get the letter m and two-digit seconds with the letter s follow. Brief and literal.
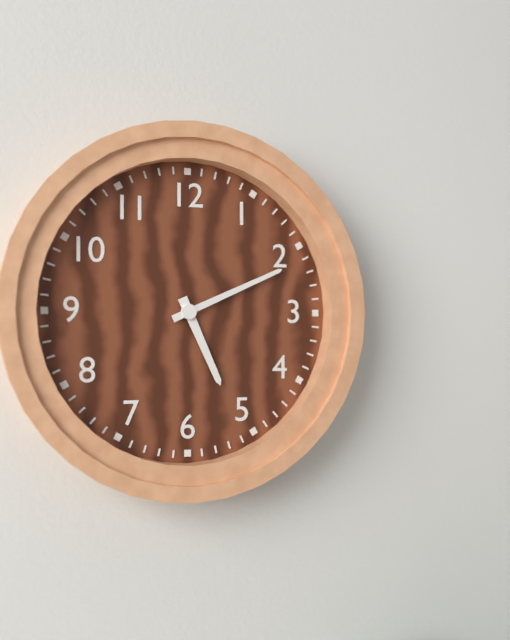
5h11
